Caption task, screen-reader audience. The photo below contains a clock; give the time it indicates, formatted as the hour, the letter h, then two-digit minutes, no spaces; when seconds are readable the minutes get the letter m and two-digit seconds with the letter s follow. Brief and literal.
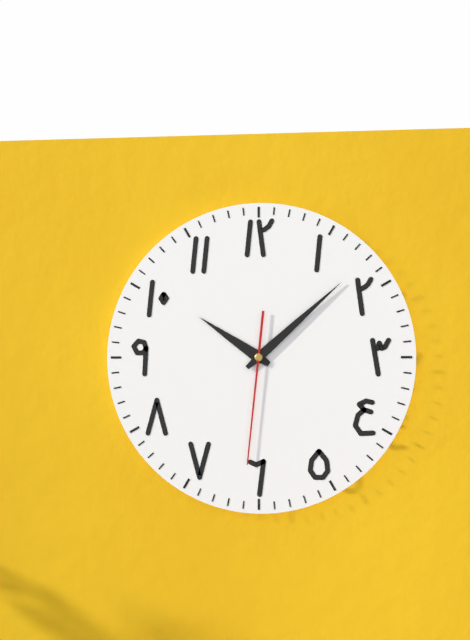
10h08m31s
